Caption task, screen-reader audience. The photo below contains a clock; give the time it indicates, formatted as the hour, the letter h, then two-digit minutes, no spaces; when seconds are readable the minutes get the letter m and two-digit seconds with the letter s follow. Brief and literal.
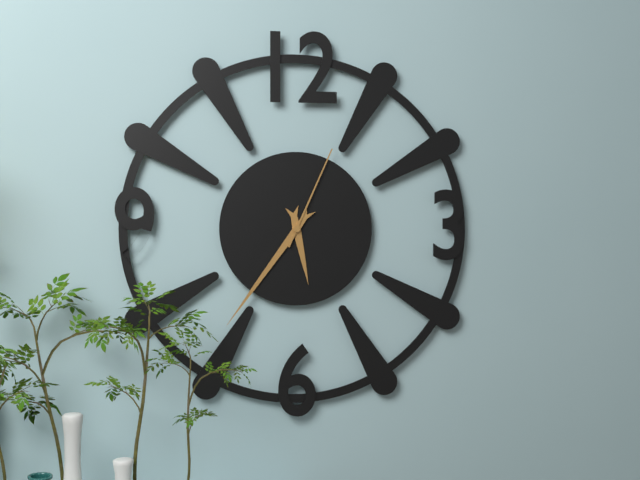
5h36m04s
